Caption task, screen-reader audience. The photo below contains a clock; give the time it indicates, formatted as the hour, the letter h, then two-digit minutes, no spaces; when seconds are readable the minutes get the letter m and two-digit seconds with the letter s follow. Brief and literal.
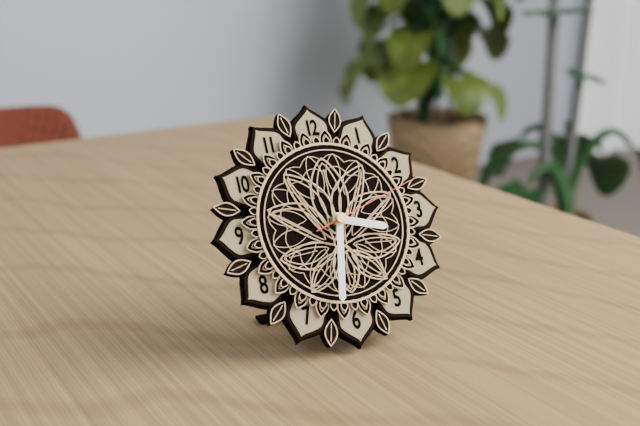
3h32m12s
